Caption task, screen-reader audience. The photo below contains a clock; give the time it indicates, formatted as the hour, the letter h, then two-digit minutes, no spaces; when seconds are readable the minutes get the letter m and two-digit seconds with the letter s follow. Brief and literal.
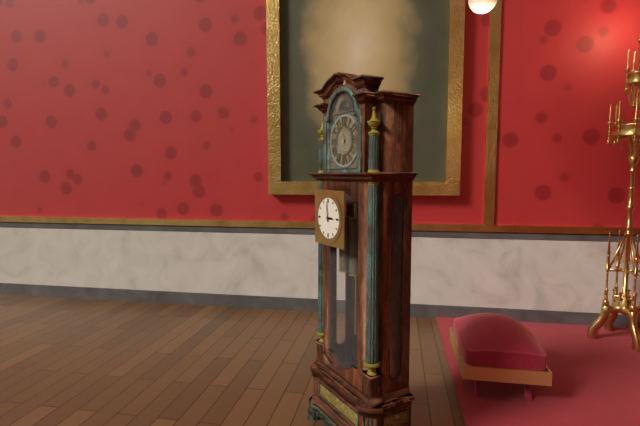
2h59
